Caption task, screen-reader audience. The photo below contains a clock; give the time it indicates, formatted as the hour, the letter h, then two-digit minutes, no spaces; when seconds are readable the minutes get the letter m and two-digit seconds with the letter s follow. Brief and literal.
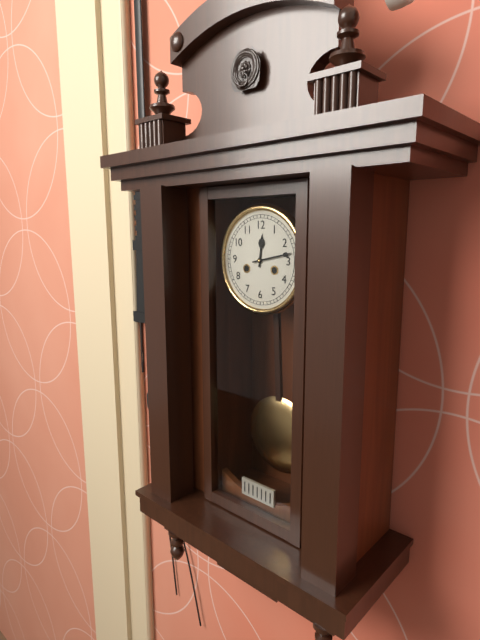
12h13
